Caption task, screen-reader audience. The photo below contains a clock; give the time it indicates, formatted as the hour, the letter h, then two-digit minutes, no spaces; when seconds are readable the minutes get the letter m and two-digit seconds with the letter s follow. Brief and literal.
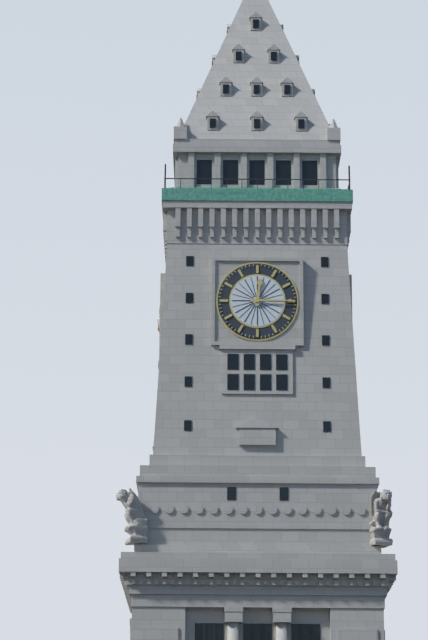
12h15
